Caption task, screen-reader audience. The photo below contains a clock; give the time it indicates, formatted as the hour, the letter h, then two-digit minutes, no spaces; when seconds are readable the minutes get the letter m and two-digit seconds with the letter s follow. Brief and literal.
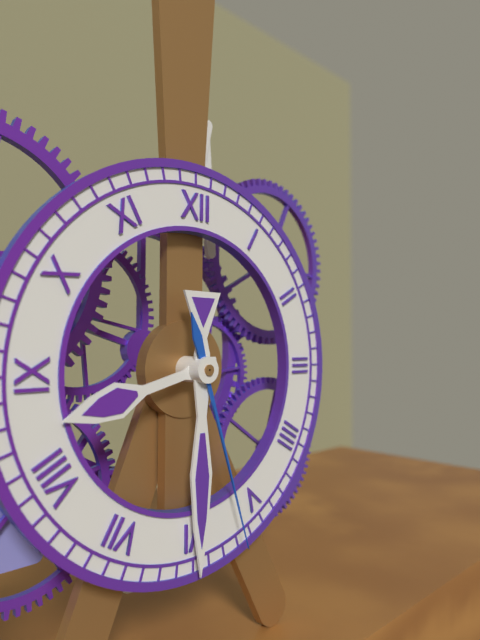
8h30m27s
